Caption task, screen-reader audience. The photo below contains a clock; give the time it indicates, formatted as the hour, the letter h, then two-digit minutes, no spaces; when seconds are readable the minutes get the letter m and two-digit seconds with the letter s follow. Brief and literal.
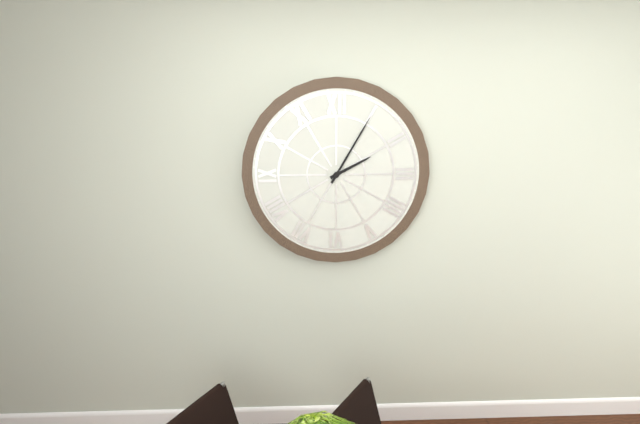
2h05
